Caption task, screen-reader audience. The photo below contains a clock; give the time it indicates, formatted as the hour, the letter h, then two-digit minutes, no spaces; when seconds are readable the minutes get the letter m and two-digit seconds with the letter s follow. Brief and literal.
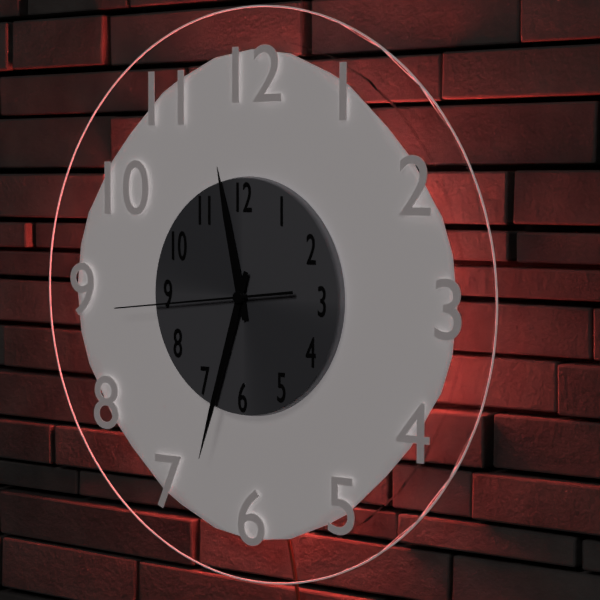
11h33m44s
